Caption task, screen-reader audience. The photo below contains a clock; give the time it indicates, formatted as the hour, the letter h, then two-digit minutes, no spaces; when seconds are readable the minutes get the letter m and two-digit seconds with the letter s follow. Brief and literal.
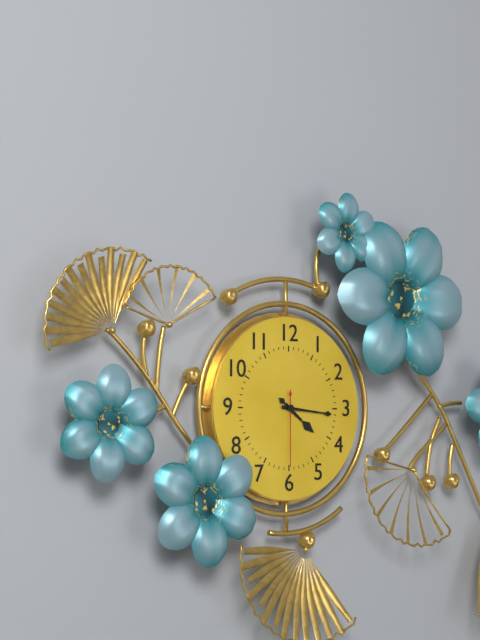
4h16m30s
